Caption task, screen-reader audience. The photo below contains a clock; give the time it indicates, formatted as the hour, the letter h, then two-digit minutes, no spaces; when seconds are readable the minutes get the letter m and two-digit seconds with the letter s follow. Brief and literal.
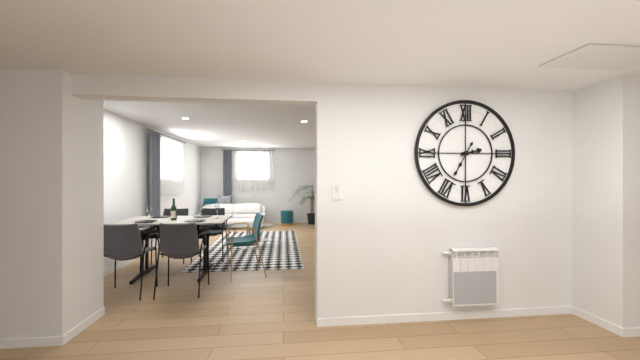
2h35
